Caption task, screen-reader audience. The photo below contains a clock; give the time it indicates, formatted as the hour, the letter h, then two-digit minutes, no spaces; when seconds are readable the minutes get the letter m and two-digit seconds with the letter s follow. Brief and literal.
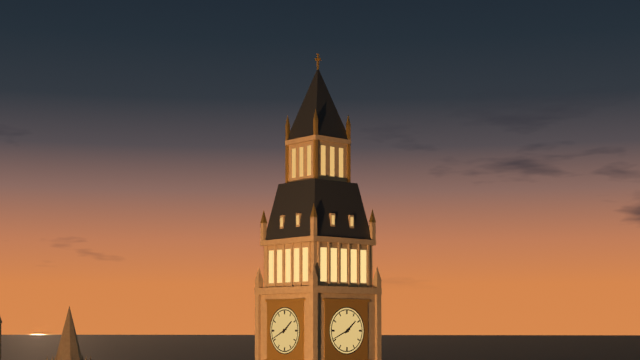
1h41
